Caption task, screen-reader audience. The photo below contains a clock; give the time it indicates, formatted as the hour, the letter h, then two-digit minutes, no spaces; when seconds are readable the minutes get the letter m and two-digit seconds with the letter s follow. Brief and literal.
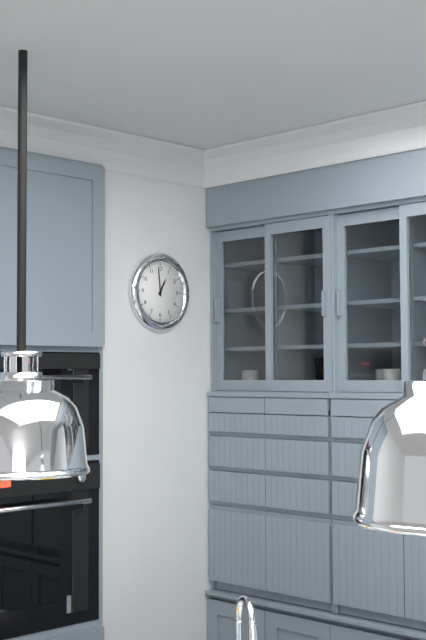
12h59
